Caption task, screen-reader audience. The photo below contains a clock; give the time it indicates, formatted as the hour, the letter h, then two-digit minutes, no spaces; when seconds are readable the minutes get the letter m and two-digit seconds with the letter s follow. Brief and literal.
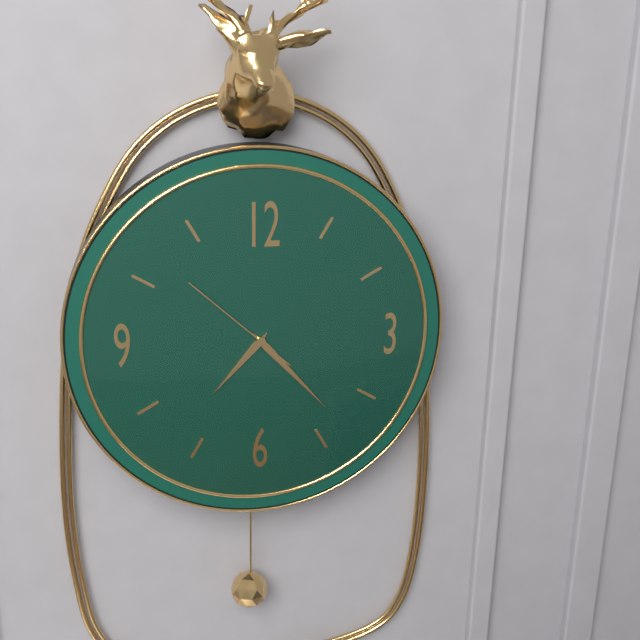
7h23m52s
